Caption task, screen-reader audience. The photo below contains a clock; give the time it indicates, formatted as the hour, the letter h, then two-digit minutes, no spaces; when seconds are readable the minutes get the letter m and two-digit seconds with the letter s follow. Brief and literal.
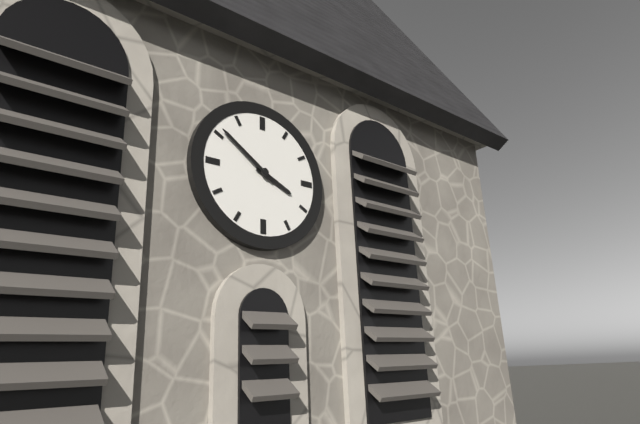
3h51
